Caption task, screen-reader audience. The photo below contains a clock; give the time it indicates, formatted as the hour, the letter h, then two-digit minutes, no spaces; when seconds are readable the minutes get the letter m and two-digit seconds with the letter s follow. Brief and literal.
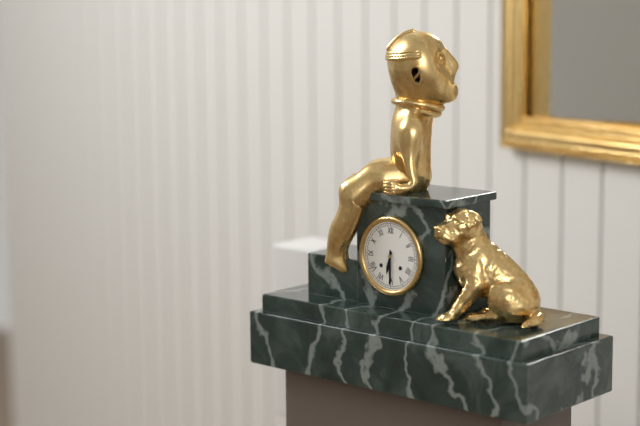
6h30
